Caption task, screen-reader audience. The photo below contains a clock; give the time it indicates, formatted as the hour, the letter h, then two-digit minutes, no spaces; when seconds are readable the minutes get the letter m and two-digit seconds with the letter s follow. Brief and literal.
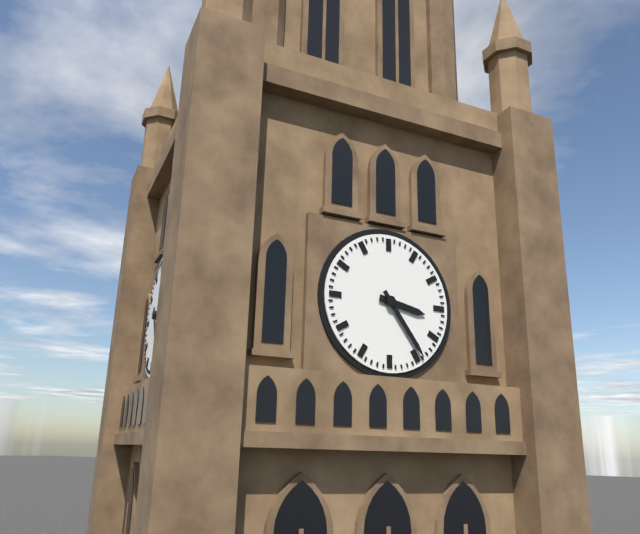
3h24
